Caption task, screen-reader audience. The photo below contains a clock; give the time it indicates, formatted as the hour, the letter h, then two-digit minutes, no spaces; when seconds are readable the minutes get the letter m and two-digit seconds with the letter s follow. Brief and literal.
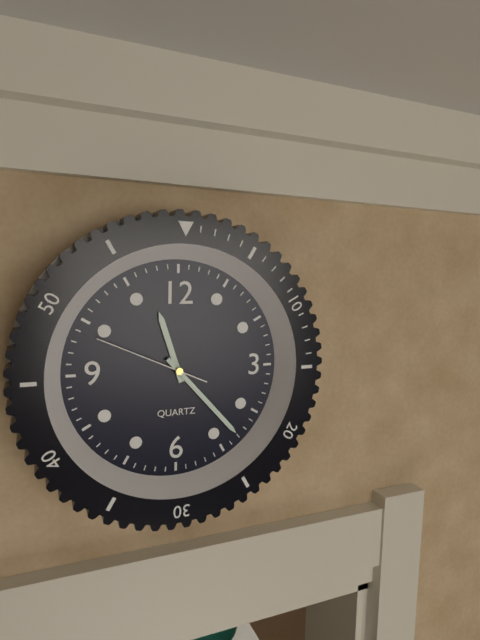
11h23m49s
